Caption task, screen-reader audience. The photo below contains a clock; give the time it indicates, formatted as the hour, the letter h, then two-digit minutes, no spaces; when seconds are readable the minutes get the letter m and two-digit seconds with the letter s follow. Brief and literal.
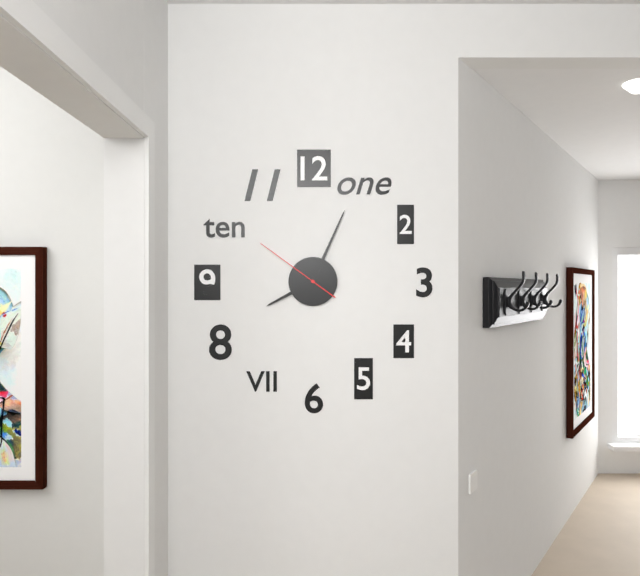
8h04m51s
